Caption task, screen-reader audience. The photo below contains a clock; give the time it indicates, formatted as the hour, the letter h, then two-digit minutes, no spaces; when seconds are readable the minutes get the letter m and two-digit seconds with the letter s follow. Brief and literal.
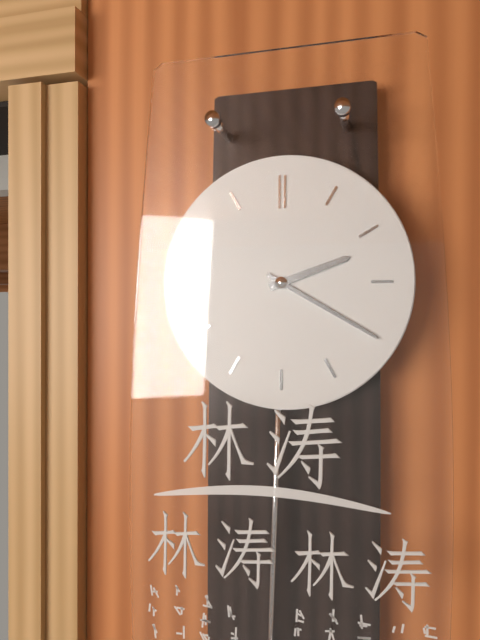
2h20
